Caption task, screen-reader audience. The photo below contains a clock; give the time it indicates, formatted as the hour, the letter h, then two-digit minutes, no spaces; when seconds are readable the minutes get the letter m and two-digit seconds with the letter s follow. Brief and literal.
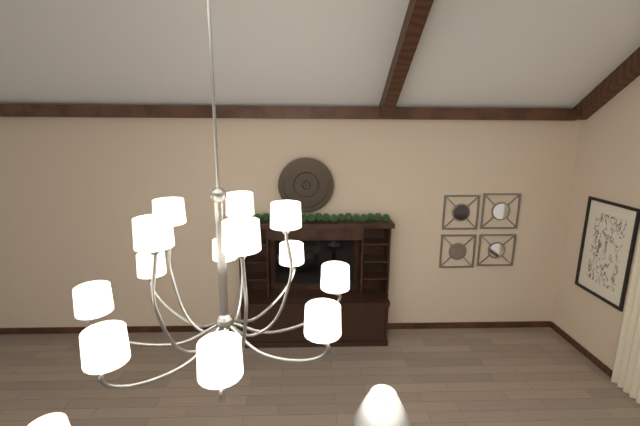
12h52
